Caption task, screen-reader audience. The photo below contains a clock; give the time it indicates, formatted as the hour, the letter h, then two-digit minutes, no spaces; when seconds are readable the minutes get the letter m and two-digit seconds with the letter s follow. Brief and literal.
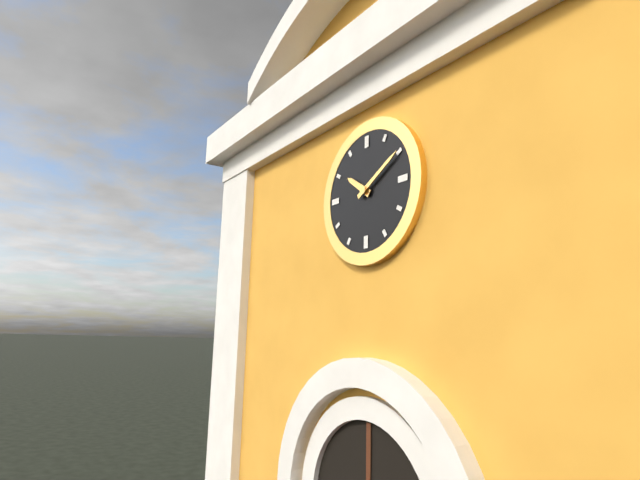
10h10
